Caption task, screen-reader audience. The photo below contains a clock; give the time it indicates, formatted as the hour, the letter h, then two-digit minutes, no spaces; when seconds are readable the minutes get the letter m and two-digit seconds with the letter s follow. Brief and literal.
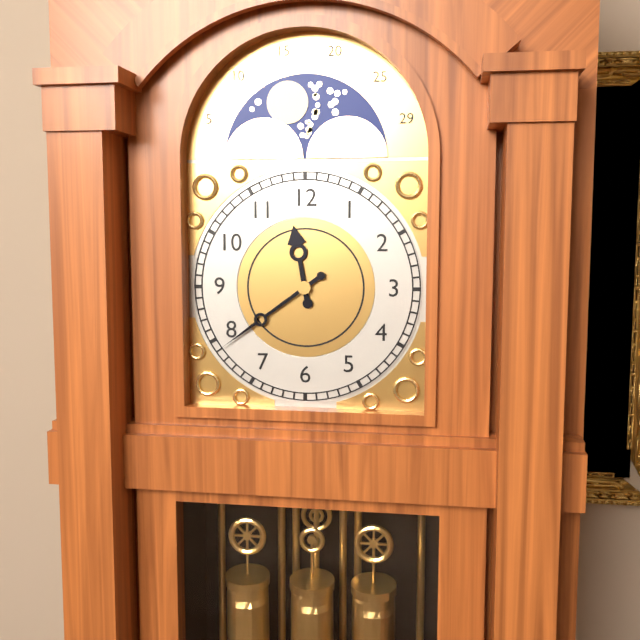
11h39
